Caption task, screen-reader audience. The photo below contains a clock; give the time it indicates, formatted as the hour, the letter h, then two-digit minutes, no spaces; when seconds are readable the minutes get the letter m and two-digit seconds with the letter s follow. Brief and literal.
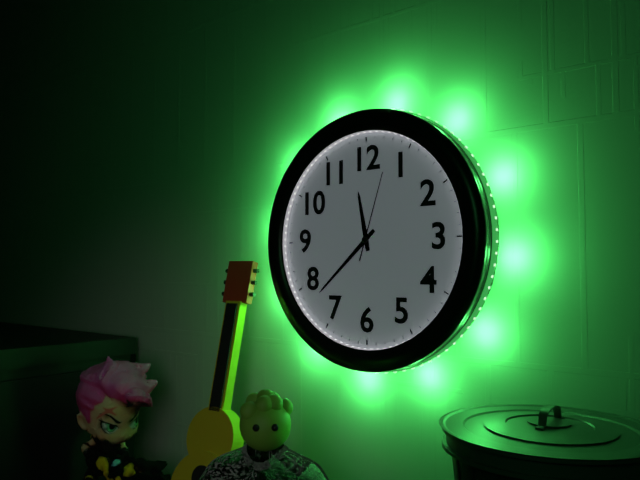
11h38m03s
